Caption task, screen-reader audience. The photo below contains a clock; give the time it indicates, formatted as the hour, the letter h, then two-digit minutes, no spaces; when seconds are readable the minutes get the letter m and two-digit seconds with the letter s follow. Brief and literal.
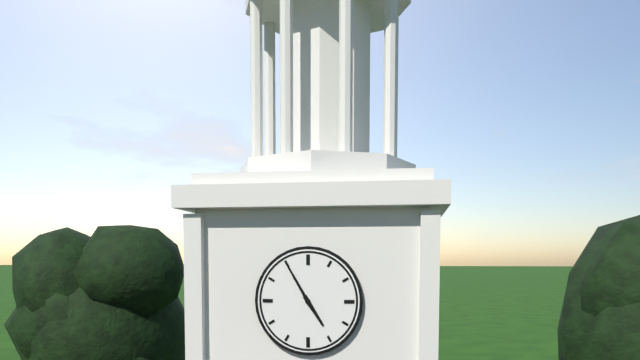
4h55
